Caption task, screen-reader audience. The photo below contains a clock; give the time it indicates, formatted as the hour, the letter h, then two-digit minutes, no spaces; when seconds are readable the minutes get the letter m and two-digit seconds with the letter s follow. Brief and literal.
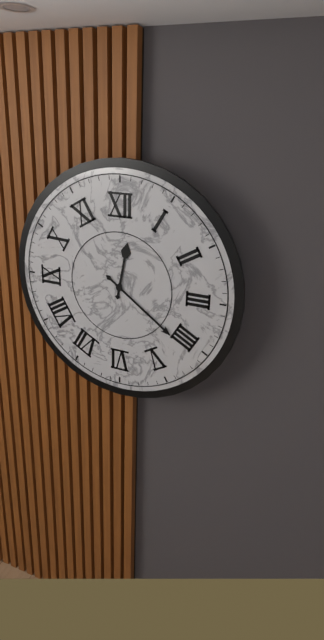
12h21
